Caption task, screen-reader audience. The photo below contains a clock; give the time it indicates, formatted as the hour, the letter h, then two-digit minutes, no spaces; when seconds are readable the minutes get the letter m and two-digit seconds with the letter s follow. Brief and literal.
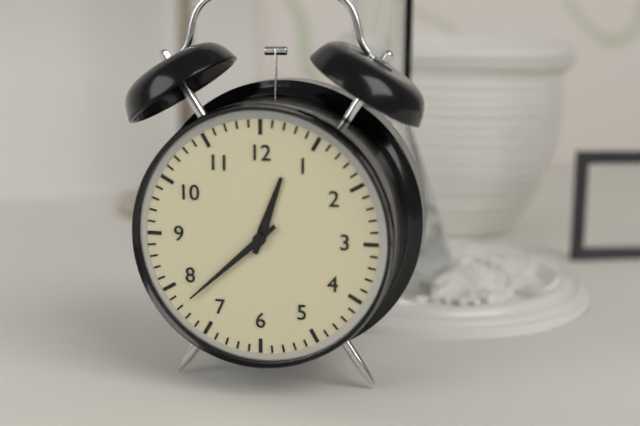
12h38
